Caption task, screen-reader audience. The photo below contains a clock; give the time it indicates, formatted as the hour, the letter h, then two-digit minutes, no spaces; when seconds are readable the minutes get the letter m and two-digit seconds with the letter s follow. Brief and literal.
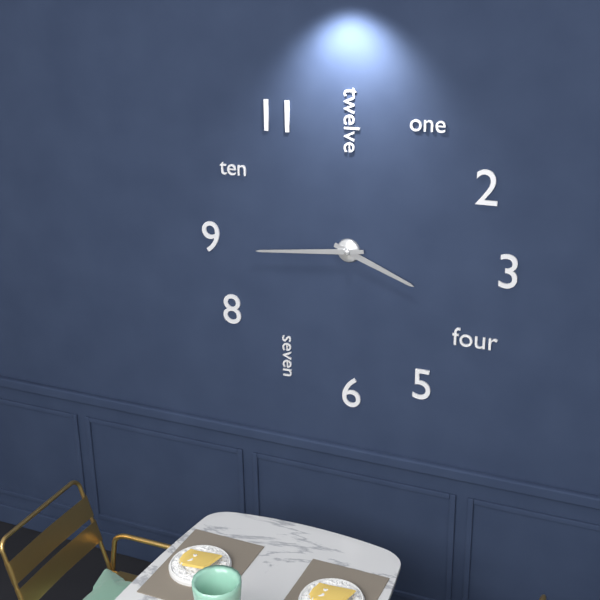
3h44
